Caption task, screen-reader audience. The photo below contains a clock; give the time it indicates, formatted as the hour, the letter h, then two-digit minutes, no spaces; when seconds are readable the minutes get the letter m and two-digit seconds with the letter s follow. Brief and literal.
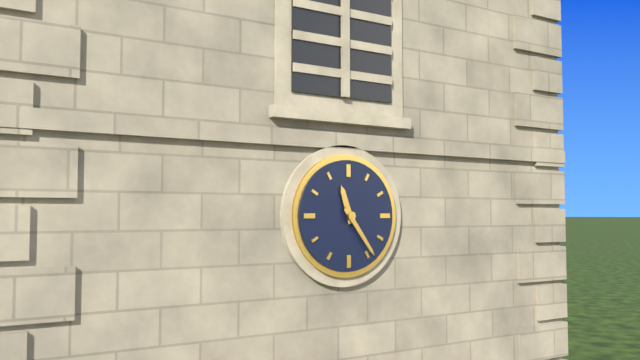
11h24
